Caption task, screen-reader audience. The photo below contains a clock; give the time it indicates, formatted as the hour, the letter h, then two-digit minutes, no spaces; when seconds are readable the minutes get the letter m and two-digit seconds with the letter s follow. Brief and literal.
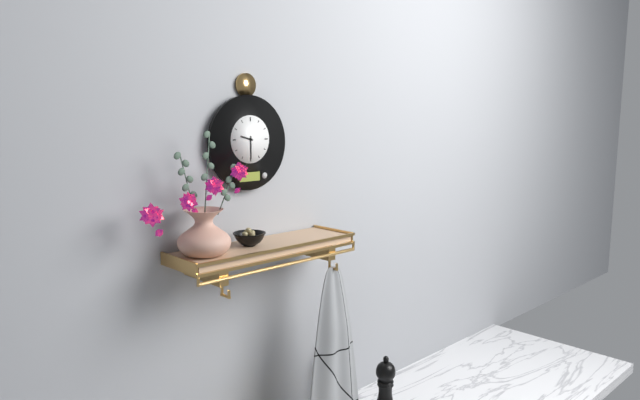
9h30
